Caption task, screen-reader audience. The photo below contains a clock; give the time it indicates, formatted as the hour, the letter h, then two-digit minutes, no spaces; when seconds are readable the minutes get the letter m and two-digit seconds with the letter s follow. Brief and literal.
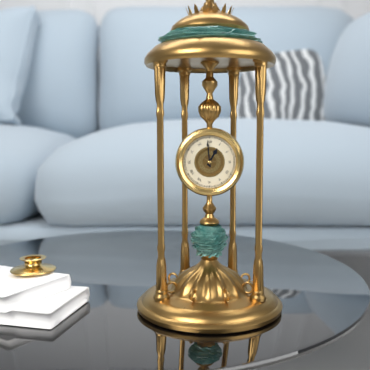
12h59
